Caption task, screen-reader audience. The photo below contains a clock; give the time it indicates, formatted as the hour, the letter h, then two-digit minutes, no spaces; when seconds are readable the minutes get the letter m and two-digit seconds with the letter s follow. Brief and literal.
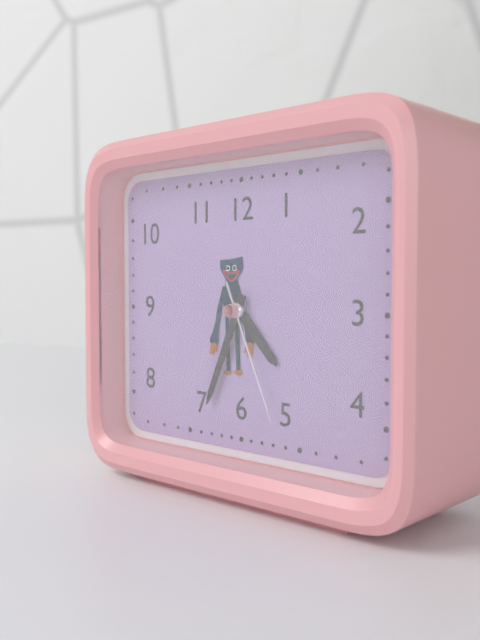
4h34m26s
